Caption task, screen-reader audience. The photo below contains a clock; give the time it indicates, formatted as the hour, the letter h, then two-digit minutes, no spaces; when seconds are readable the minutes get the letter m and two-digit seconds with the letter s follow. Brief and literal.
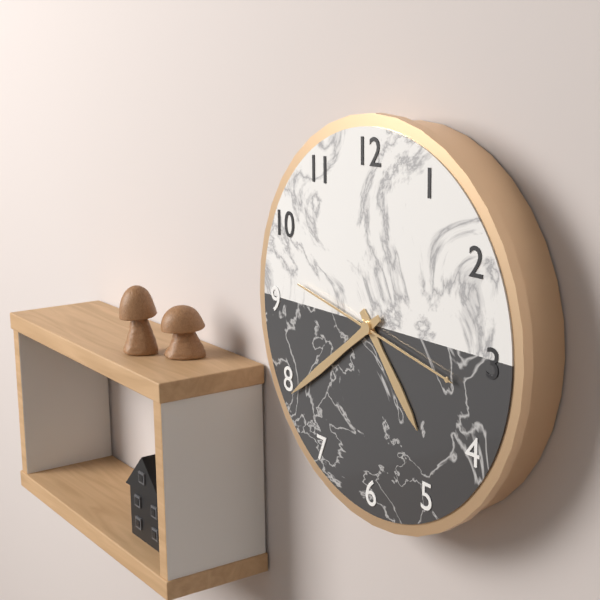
4h39m17s
